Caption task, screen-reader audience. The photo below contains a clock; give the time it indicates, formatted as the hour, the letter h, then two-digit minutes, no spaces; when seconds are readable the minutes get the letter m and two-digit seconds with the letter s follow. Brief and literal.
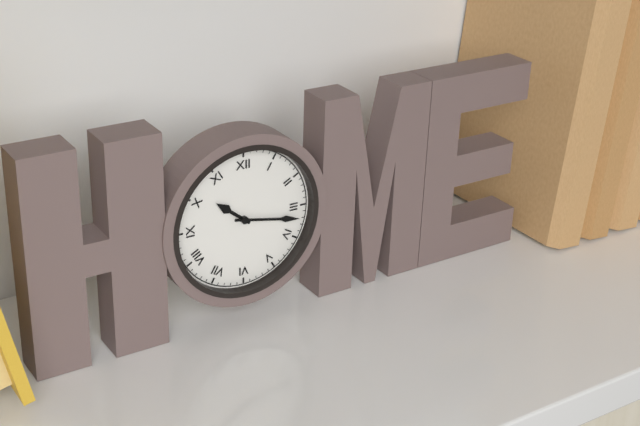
10h17
